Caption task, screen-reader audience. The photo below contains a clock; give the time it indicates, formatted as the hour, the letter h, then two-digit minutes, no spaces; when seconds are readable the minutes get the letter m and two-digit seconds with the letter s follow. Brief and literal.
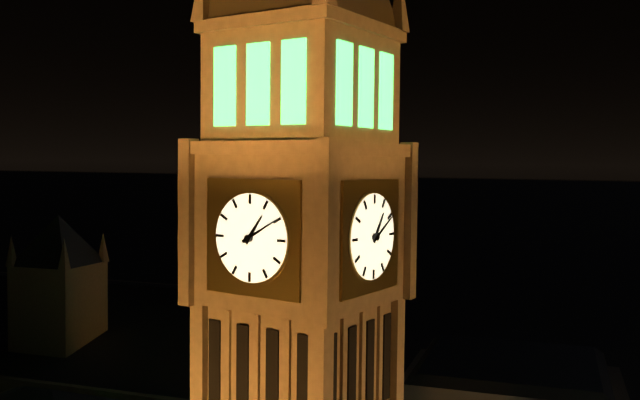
1h10
